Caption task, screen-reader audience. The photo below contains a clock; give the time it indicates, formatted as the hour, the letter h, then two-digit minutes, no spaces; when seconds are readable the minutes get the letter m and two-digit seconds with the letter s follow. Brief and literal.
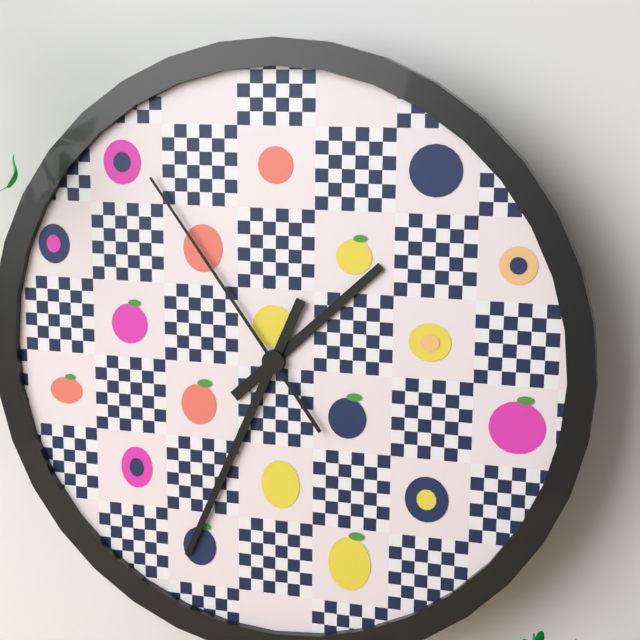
1h34m54s
